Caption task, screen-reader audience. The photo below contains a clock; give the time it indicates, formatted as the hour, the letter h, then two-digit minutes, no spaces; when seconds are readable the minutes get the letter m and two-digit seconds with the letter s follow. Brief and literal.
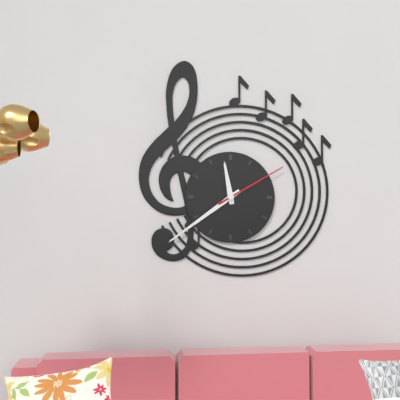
11h39m10s
